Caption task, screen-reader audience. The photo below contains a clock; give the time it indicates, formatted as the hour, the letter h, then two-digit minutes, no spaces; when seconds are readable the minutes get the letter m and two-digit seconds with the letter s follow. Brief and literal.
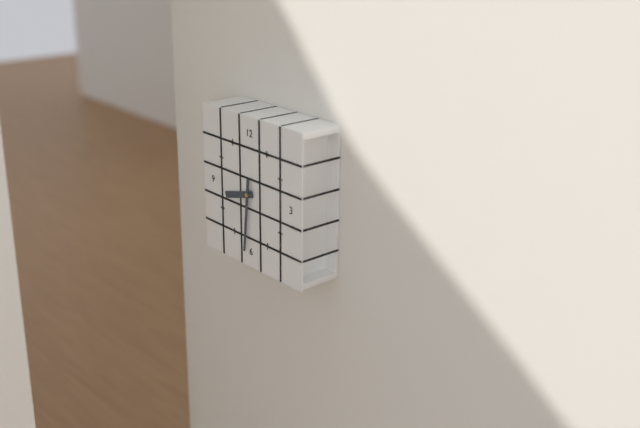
8h31
